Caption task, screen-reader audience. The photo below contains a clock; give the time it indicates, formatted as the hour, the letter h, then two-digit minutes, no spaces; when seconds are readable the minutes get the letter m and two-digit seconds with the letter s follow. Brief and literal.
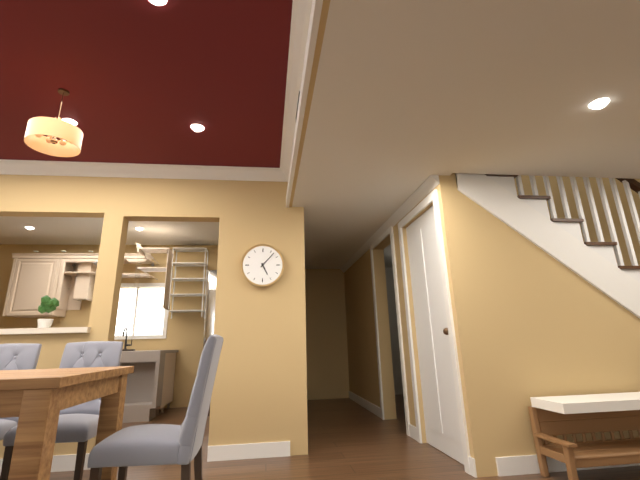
5h07
